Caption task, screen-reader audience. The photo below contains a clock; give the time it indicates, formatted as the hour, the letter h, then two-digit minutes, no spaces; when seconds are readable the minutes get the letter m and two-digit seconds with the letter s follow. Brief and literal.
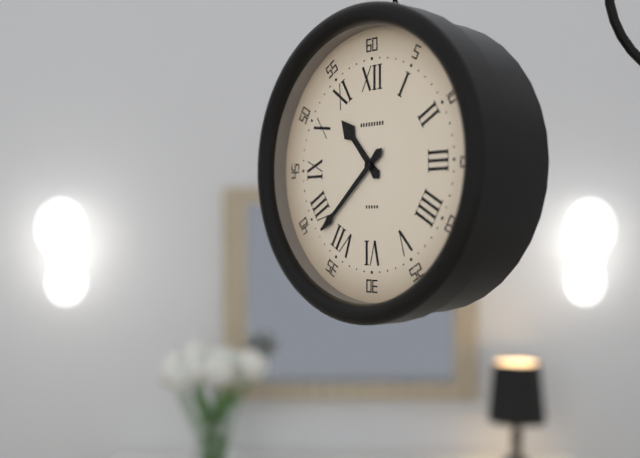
10h38
